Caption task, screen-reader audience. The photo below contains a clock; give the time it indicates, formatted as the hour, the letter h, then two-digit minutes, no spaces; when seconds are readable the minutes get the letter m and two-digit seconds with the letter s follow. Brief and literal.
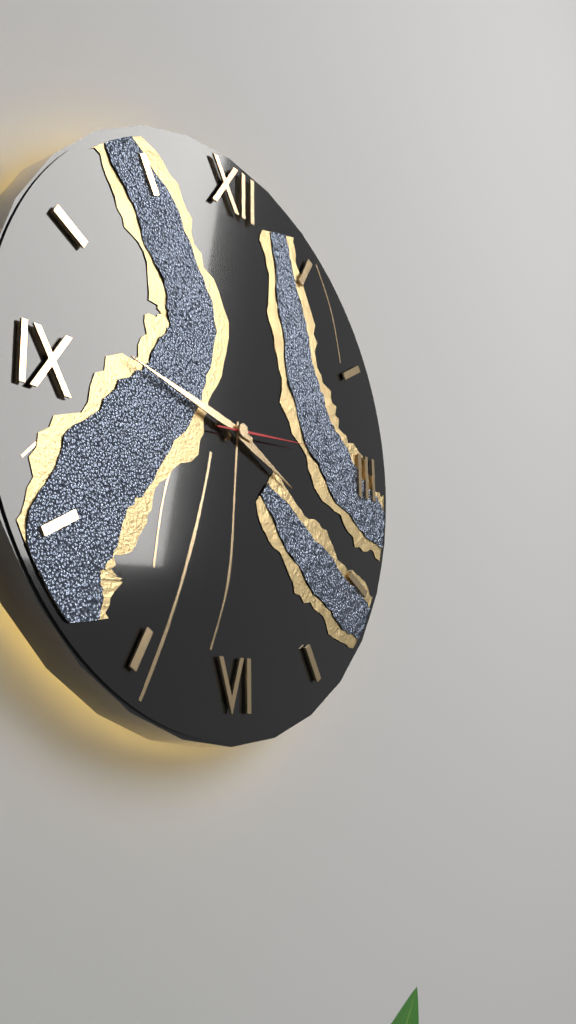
3h47m14s
